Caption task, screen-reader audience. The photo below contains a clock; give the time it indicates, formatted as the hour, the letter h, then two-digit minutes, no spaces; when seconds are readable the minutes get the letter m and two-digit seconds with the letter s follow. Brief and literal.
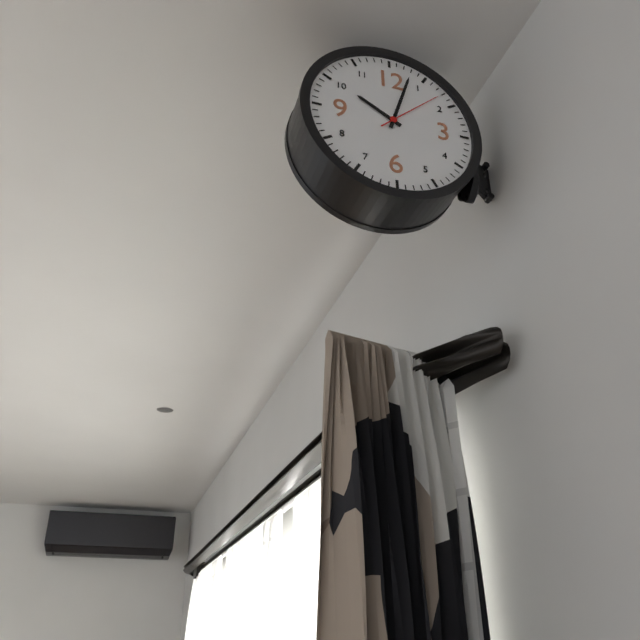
10h03m08s
